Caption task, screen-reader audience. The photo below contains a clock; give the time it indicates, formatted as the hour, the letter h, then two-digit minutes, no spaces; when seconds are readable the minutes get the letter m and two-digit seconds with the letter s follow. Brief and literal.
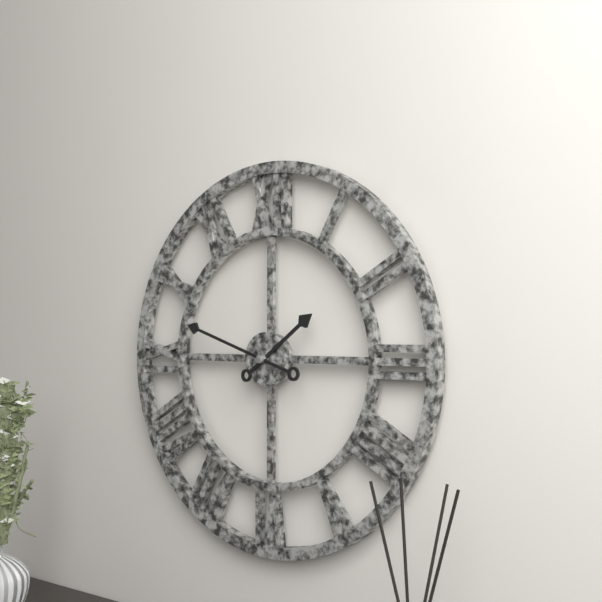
1h48
